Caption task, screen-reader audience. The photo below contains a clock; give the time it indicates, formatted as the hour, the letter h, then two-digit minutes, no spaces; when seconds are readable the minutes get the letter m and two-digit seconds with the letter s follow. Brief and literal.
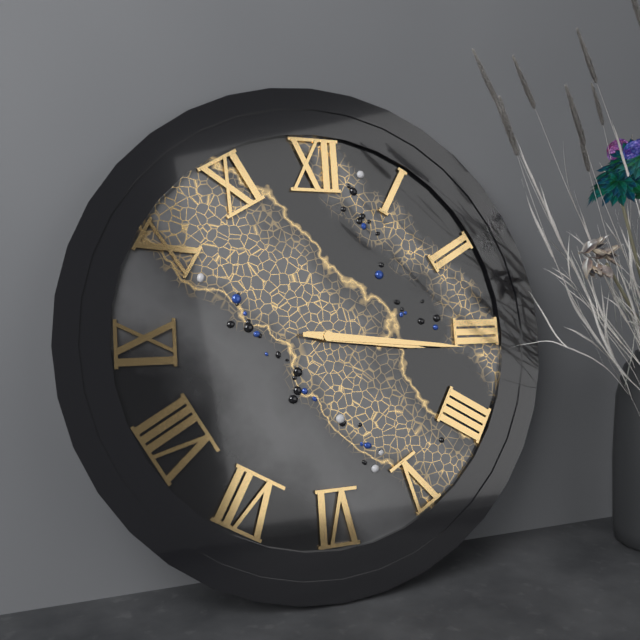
3h16
